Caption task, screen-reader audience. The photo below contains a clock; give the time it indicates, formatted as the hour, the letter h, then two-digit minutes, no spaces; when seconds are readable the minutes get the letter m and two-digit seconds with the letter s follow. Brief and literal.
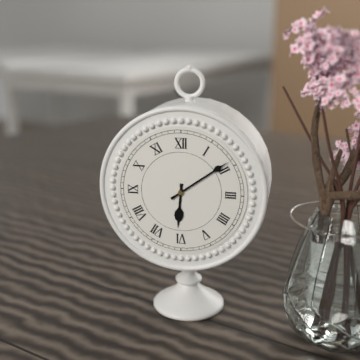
6h09
